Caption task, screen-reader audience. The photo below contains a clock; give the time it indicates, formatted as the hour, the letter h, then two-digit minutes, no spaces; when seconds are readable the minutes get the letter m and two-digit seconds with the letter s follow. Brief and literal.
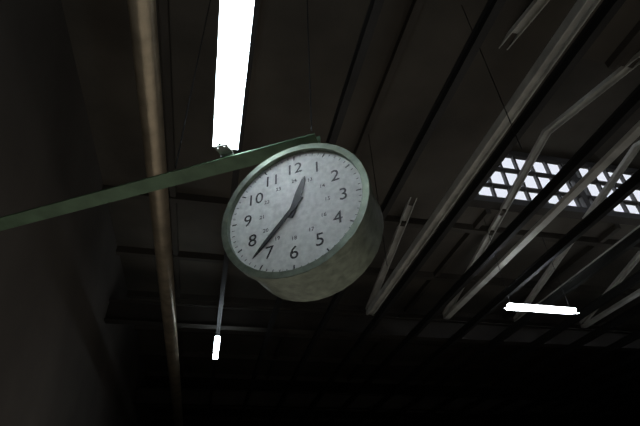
12h37
